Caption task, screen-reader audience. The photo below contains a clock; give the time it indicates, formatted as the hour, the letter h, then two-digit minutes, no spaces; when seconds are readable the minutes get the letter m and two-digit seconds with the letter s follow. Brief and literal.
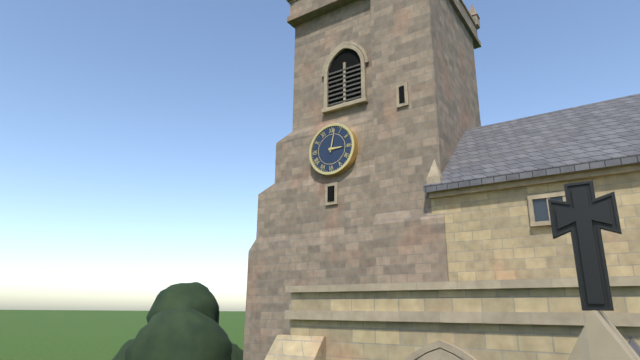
3h02
